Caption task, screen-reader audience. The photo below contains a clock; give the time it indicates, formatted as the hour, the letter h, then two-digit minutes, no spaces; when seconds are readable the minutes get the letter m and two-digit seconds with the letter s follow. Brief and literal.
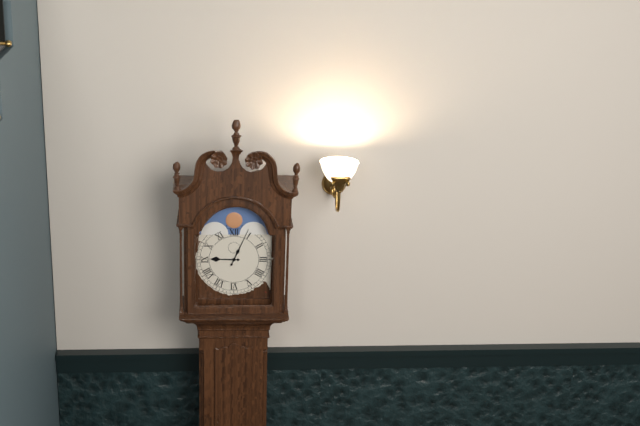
9h04
